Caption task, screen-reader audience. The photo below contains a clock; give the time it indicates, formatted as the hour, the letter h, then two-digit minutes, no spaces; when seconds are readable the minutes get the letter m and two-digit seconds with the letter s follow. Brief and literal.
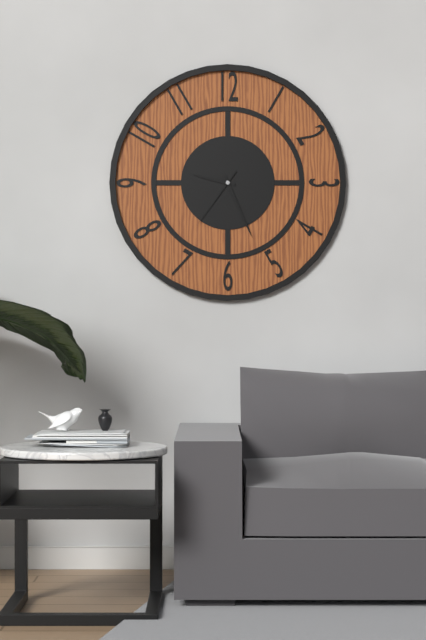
9h26m36s
